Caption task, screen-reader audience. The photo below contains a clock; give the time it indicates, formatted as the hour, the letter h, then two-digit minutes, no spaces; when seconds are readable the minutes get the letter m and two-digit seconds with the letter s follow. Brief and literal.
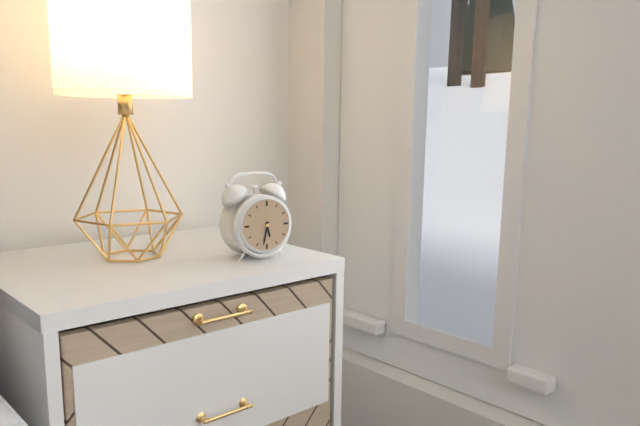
5h32
